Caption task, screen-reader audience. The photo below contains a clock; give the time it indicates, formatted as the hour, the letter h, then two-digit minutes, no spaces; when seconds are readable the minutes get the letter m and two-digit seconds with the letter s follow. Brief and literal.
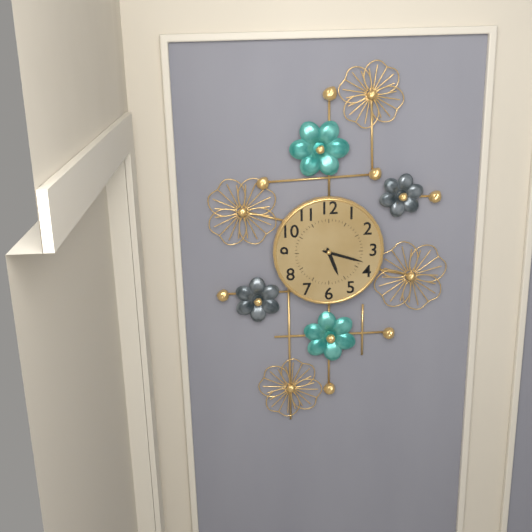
5h18
